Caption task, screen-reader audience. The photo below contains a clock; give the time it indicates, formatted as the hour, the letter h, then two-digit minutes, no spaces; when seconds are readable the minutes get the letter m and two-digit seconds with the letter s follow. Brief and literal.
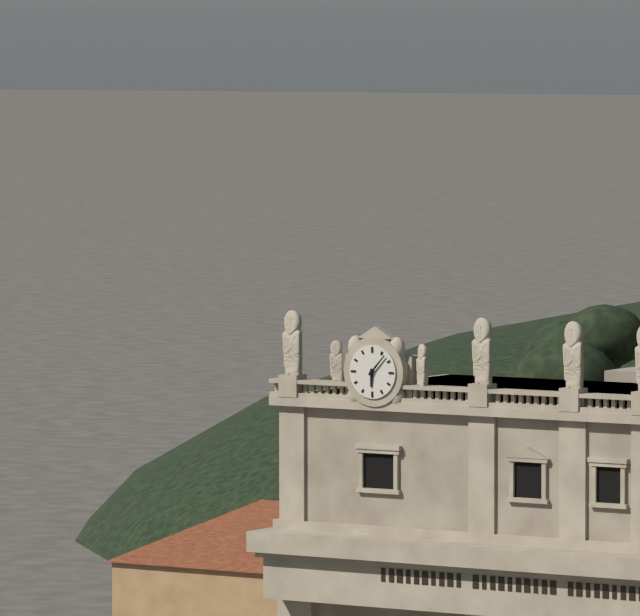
6h07
